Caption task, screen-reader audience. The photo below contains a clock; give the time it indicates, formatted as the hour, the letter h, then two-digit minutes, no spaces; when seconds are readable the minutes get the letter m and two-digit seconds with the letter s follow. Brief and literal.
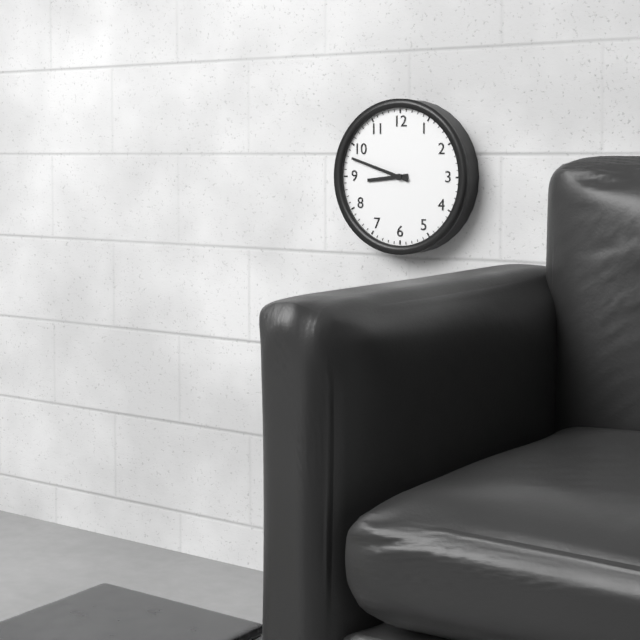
8h48
